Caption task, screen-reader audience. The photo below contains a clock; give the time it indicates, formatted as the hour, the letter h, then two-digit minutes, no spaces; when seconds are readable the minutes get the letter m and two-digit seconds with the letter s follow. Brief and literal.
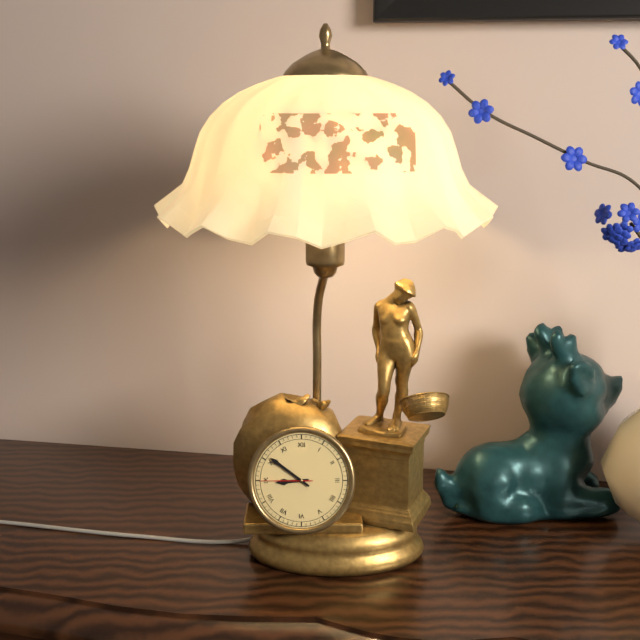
8h51m45s
